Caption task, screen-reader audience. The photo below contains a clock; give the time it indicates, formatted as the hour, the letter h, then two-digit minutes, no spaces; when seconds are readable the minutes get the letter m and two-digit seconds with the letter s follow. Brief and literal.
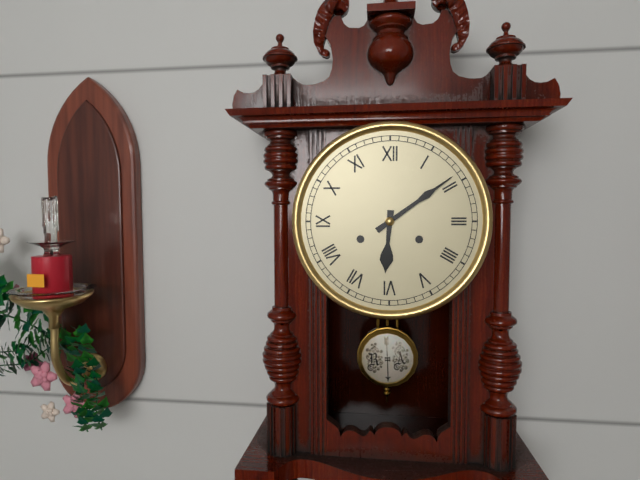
6h09
